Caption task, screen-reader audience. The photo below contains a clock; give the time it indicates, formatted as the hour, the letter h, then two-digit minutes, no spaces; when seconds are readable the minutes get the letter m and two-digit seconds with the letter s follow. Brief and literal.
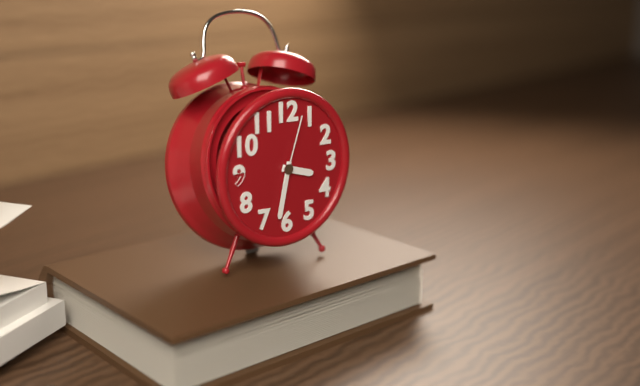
3h32m03s
